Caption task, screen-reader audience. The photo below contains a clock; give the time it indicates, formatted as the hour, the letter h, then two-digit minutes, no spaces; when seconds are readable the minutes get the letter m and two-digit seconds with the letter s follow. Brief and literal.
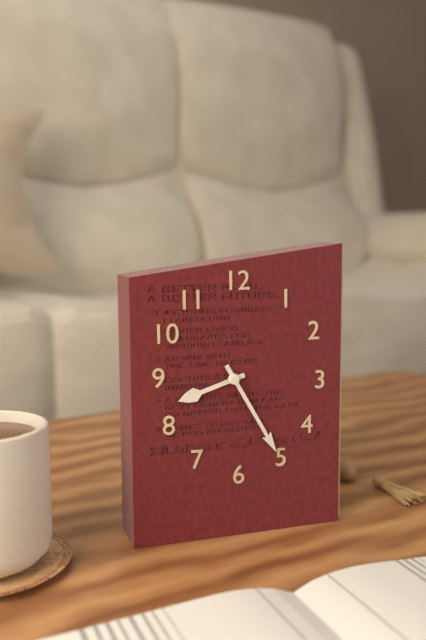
8h25
